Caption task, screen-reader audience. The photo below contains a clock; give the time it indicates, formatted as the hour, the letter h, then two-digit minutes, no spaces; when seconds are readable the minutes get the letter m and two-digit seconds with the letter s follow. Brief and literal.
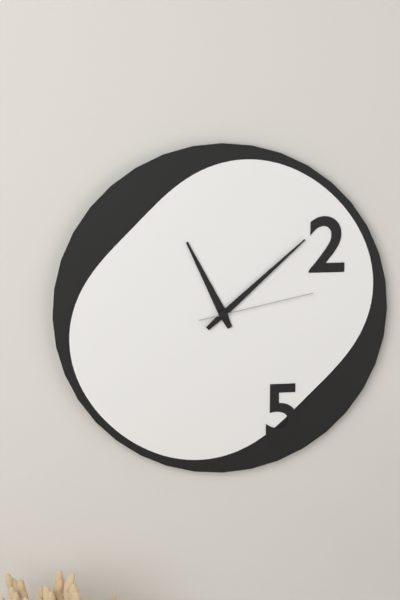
11h08m13s
